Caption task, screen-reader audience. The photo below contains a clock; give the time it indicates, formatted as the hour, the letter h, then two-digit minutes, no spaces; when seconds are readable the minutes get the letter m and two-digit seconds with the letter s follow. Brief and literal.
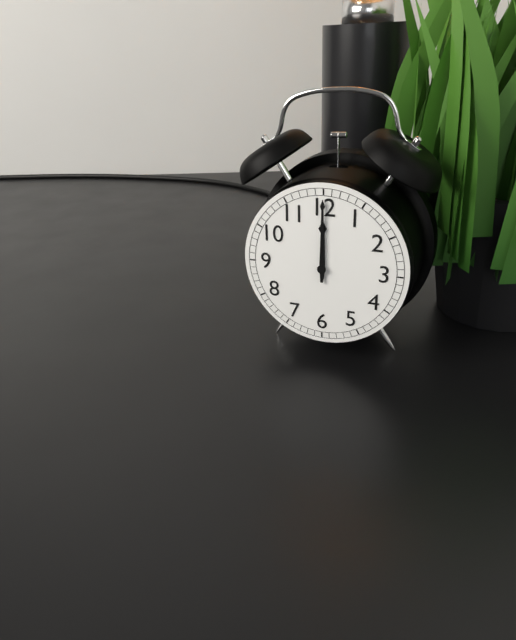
12h00
